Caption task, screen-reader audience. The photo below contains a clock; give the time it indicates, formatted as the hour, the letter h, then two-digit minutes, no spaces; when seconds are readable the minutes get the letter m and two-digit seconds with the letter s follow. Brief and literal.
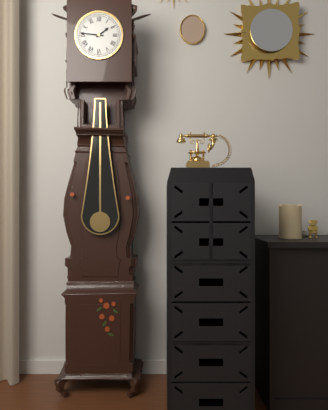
1h46
